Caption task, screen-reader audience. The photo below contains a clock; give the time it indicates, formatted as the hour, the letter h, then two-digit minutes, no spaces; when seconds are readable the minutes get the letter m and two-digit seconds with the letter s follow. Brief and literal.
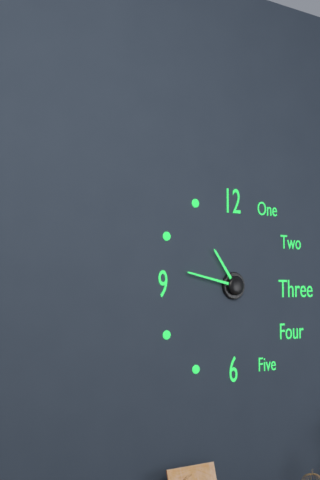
10h47
